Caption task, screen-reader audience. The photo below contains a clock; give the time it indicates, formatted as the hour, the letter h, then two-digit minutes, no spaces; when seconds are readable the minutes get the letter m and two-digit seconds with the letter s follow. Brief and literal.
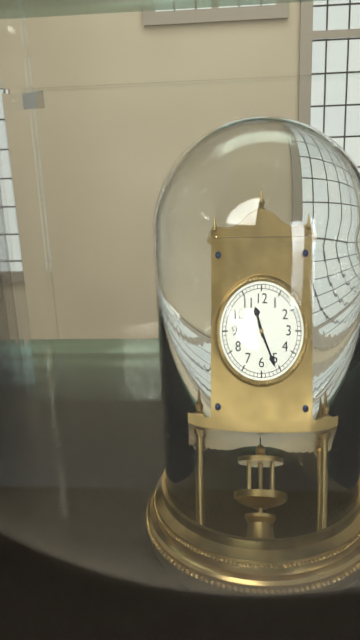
11h26
